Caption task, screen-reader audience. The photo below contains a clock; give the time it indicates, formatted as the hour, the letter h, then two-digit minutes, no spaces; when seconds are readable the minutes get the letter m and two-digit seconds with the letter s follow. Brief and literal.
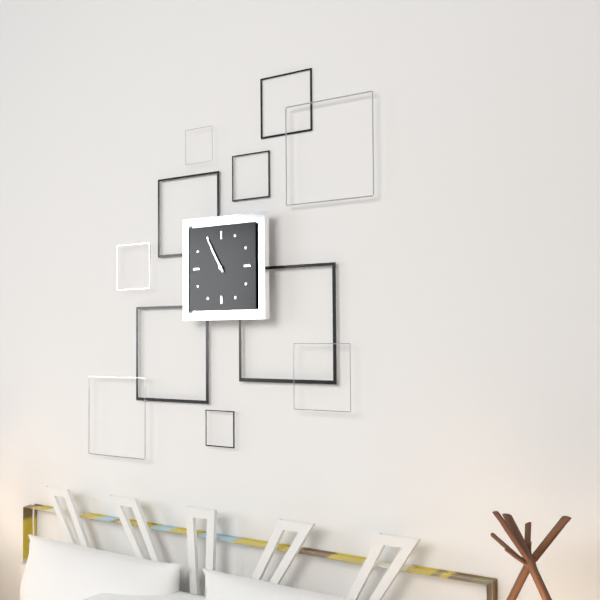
10h55
